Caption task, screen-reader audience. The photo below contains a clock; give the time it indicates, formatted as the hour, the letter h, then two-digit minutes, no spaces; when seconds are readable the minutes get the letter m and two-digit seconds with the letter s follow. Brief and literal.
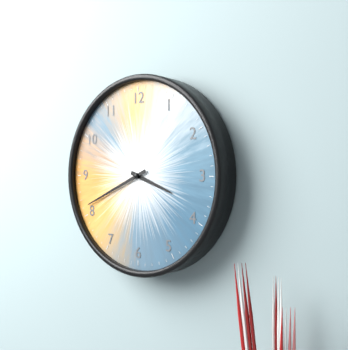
3h41
